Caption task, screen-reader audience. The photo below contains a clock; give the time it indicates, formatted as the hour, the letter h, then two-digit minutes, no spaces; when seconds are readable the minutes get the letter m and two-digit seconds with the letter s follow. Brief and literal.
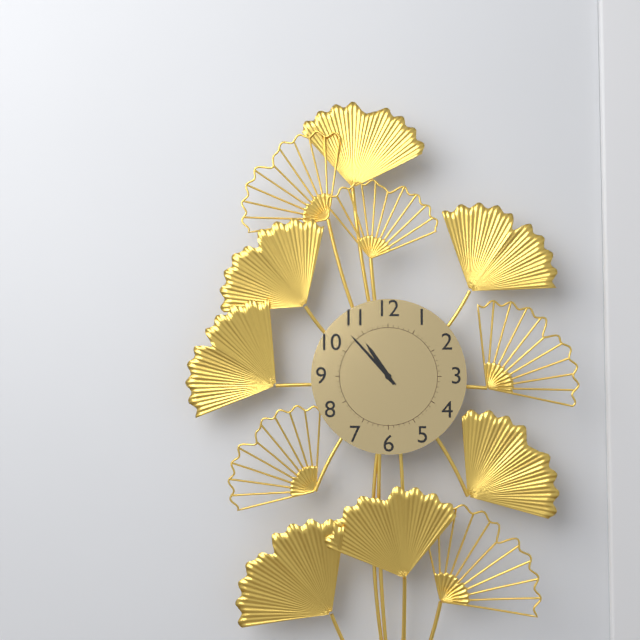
10h53
